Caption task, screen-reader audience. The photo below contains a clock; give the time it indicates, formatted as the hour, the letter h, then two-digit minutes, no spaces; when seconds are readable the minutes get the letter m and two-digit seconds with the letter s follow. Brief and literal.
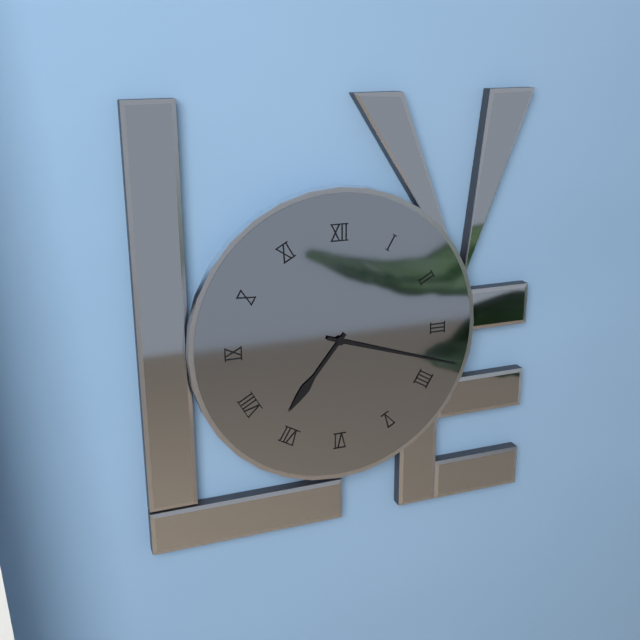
7h18
